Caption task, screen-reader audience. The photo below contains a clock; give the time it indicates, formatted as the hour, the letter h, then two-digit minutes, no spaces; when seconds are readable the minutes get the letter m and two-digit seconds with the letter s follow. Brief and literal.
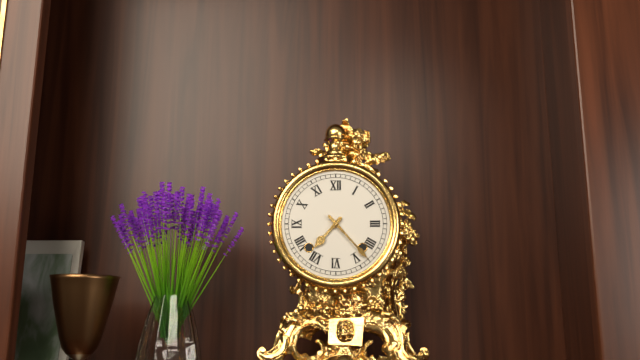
7h23
